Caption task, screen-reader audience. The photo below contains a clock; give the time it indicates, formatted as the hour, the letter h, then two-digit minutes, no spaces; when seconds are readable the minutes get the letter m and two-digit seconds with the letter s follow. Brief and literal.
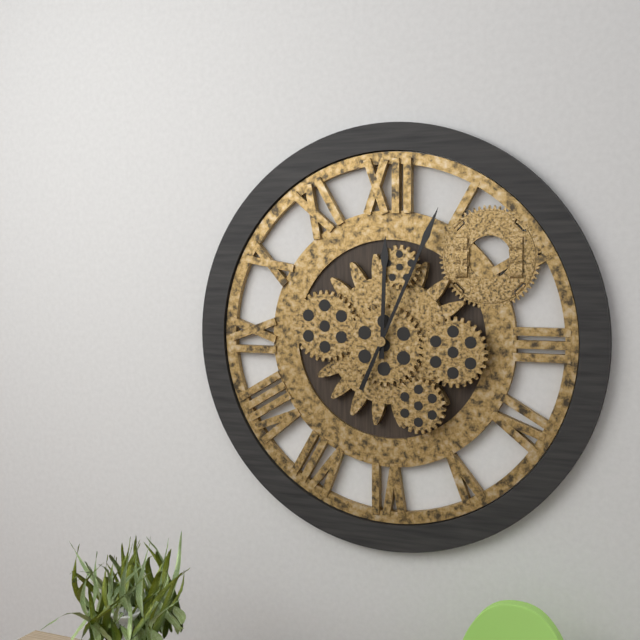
12h04
